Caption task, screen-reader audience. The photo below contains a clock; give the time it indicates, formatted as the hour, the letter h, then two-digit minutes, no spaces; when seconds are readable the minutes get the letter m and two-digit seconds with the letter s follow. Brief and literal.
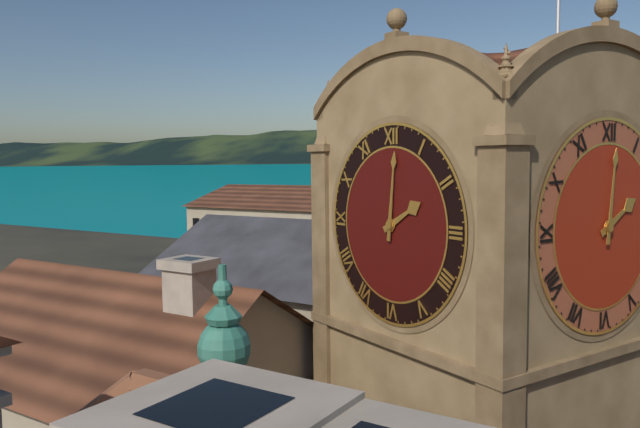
2h01
